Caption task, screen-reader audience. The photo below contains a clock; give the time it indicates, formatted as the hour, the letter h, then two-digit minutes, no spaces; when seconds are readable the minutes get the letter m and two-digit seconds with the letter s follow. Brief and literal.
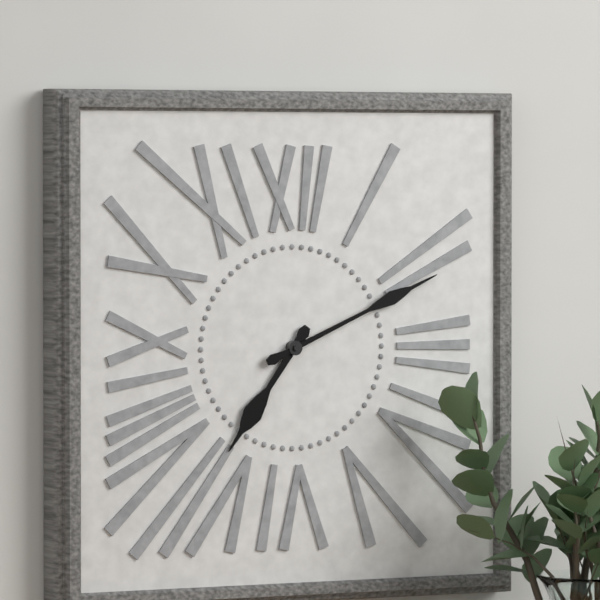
7h11
